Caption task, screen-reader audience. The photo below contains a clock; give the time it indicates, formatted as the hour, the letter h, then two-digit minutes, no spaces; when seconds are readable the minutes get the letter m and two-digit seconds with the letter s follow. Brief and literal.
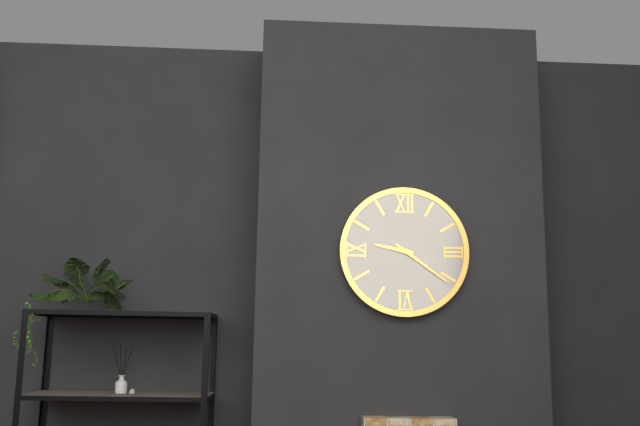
9h21
